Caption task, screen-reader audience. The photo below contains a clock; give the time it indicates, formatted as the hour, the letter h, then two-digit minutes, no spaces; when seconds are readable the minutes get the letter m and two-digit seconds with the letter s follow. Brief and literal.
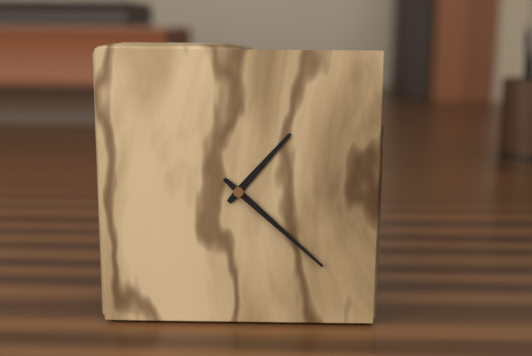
1h22
